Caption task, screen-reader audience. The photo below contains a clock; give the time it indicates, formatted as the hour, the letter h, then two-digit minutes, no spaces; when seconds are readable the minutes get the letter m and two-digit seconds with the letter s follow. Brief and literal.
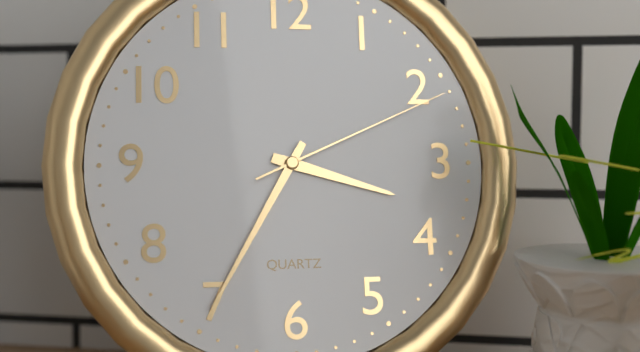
3h35m11s
